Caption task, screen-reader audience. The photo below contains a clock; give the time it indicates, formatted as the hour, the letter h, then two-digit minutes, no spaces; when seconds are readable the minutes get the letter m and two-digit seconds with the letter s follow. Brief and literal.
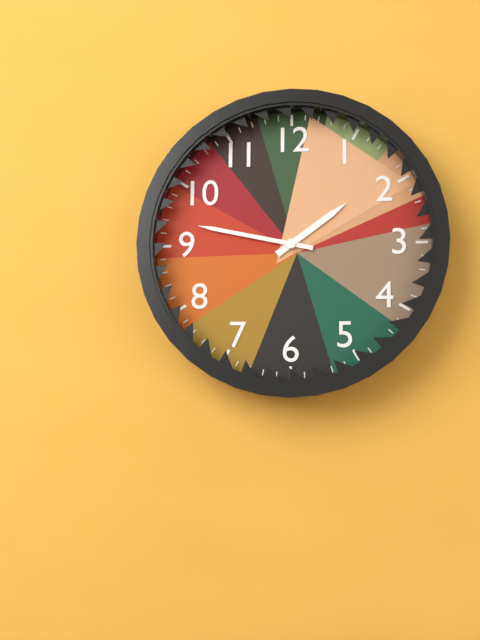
1h47
